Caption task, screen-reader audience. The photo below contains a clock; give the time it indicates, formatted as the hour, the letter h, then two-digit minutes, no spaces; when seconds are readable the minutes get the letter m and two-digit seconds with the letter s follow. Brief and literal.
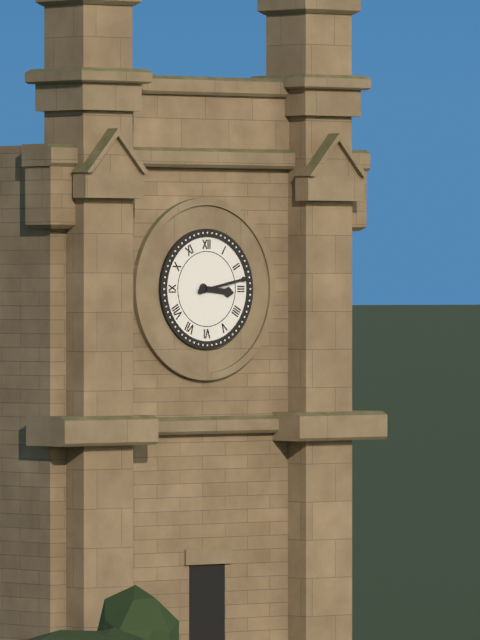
3h13
